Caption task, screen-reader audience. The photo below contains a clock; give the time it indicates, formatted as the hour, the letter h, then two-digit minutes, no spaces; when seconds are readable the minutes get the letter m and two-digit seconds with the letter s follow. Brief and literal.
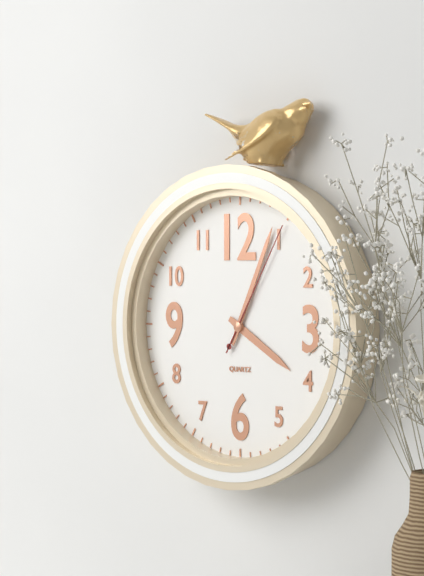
4h04m05s
